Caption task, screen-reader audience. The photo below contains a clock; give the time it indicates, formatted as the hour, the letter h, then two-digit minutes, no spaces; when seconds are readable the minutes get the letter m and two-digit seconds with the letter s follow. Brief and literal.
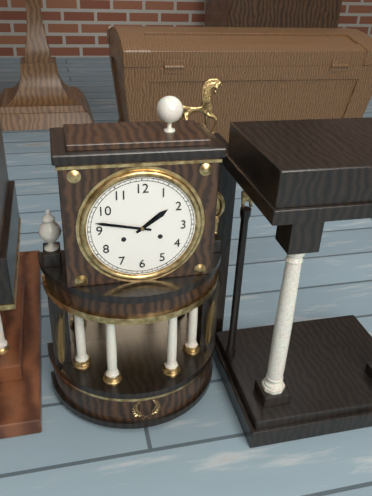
1h47
